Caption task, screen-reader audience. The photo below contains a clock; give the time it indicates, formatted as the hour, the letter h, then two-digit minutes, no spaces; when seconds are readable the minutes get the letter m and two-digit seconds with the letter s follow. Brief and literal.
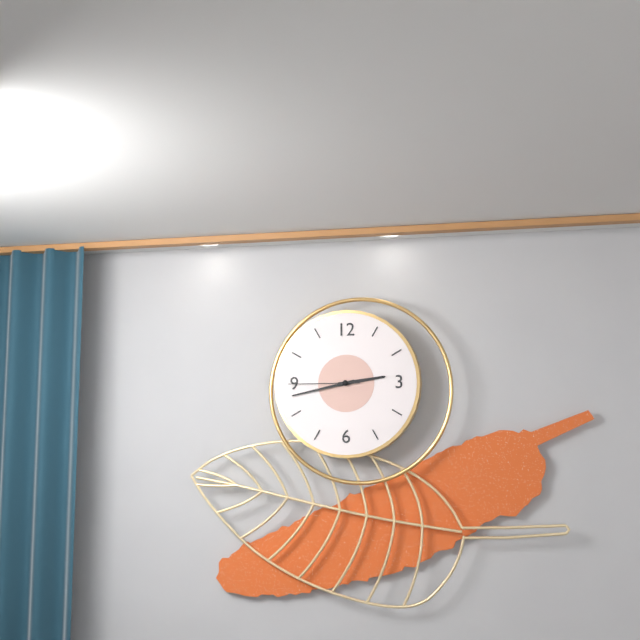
2h43m45s
